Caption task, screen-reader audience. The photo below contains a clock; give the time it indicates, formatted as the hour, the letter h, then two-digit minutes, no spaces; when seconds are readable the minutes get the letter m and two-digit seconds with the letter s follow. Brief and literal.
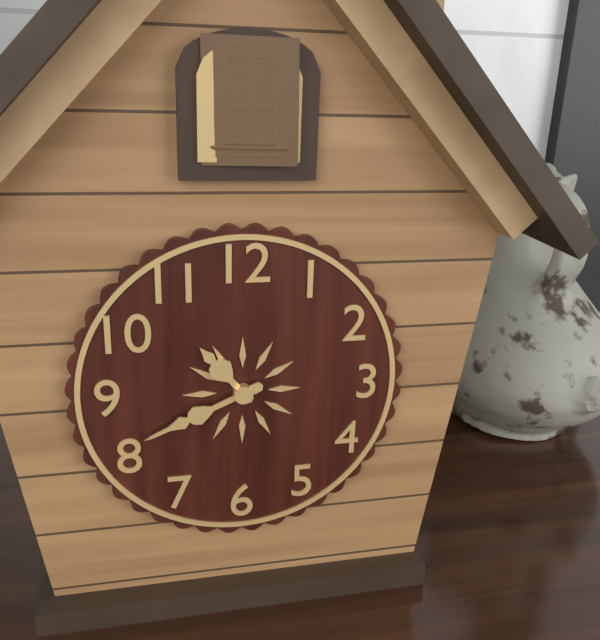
10h41
